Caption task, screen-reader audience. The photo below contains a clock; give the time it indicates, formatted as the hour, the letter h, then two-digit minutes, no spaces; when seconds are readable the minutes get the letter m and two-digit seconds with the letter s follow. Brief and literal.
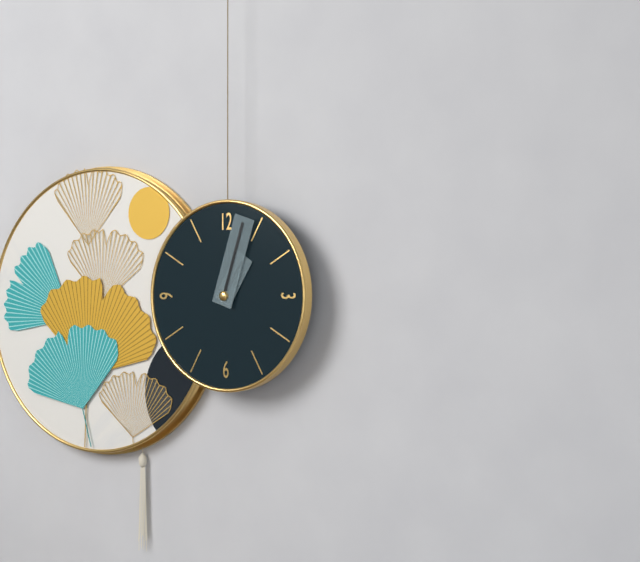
1h03
